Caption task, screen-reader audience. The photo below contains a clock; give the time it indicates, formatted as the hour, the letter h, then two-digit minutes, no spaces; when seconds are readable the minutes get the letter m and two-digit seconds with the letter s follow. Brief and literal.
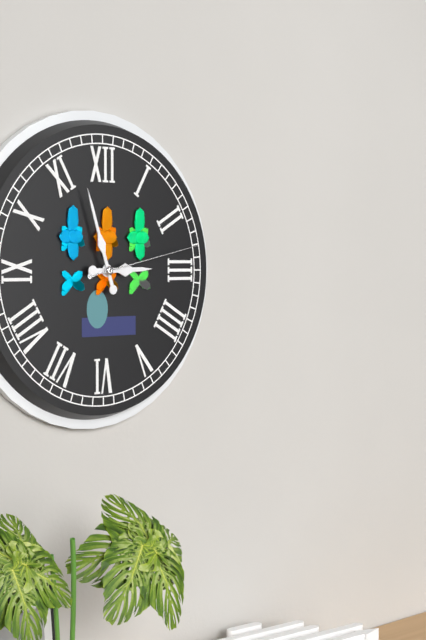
2h57m13s
